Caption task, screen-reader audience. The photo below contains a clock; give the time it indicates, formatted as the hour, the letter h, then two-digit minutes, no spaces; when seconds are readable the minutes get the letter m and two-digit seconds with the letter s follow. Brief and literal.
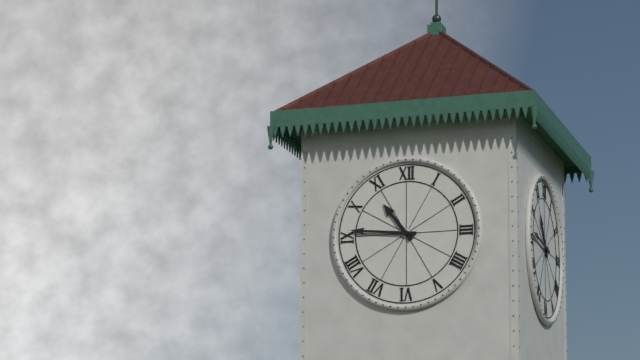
10h46
